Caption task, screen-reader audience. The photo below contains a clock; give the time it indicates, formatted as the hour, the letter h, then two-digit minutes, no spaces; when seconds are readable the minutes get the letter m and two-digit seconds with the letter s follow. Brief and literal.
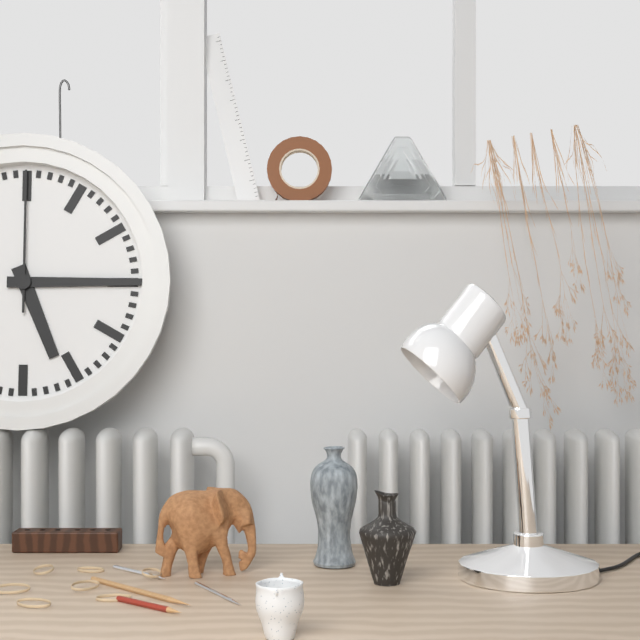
5h15m00s
